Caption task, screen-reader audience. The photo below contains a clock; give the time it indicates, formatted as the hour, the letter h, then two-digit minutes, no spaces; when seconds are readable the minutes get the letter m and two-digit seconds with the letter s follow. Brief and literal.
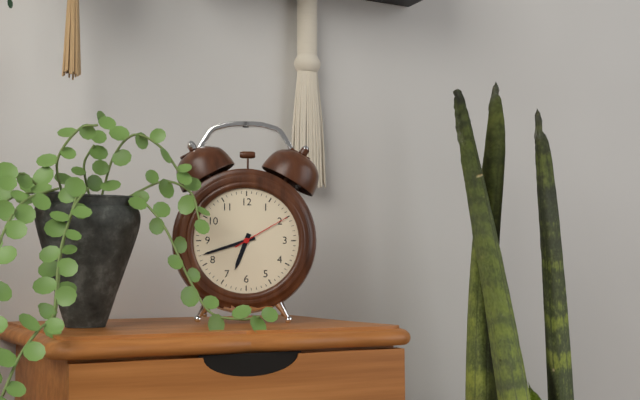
6h42m10s
